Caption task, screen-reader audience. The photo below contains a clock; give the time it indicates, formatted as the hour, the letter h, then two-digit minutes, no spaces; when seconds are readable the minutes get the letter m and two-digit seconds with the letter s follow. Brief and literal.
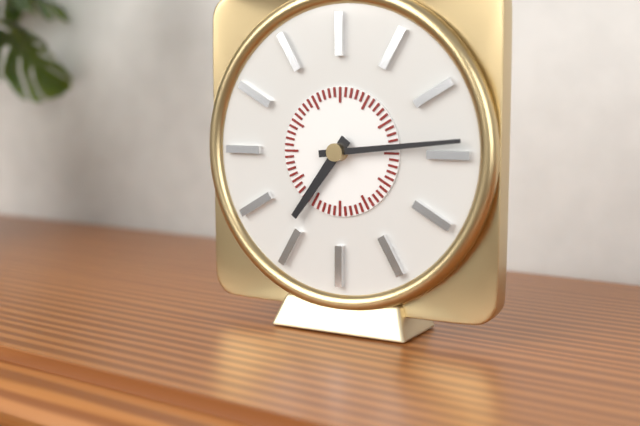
7h14
